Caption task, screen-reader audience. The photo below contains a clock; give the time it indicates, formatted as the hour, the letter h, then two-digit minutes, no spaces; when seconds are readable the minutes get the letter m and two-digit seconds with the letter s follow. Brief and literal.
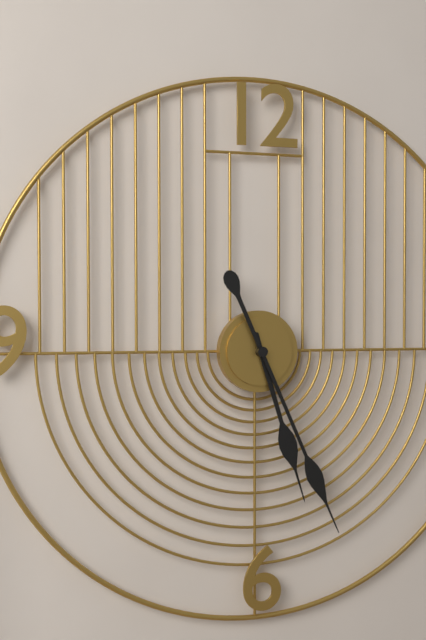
5h26
